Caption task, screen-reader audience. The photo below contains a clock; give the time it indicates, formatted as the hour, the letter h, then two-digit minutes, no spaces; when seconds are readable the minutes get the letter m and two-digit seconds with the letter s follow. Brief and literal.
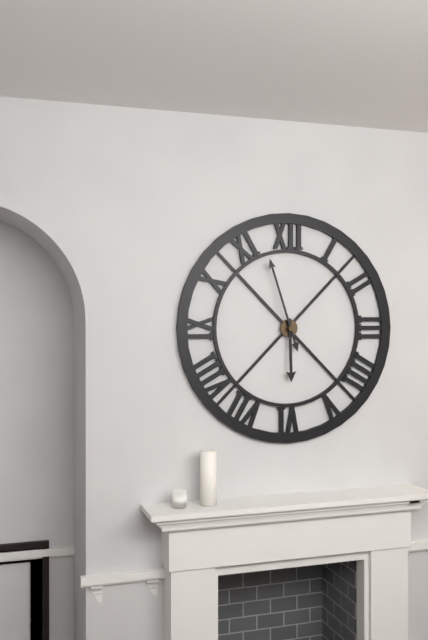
5h57
